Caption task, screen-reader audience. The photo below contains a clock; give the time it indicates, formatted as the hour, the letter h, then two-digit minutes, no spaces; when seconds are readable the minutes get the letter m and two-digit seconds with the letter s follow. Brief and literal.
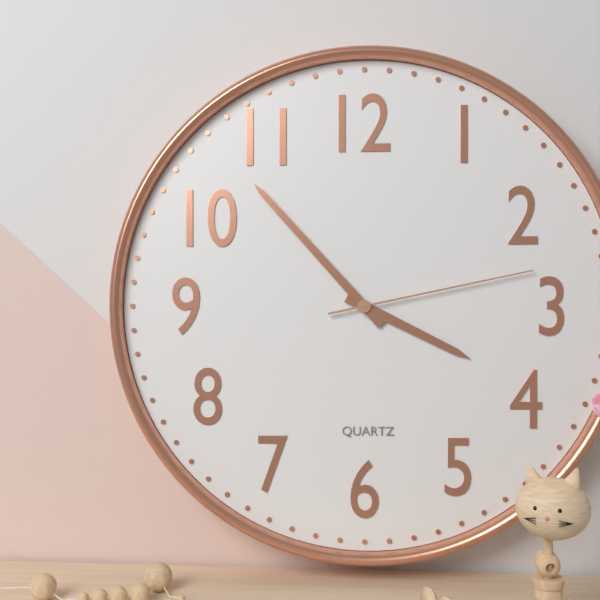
3h53m13s
